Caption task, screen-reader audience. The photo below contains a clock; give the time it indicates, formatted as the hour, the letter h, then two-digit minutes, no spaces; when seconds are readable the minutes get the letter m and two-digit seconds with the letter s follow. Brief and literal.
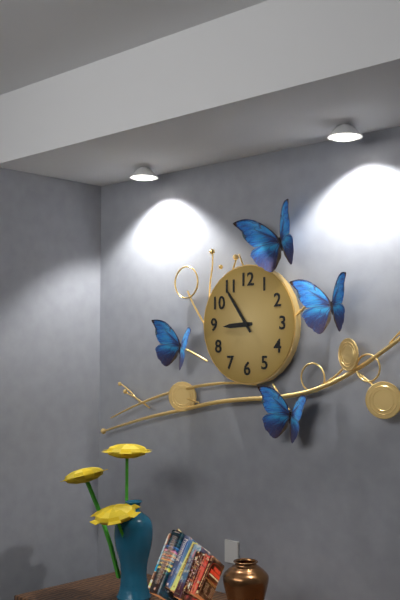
8h54
